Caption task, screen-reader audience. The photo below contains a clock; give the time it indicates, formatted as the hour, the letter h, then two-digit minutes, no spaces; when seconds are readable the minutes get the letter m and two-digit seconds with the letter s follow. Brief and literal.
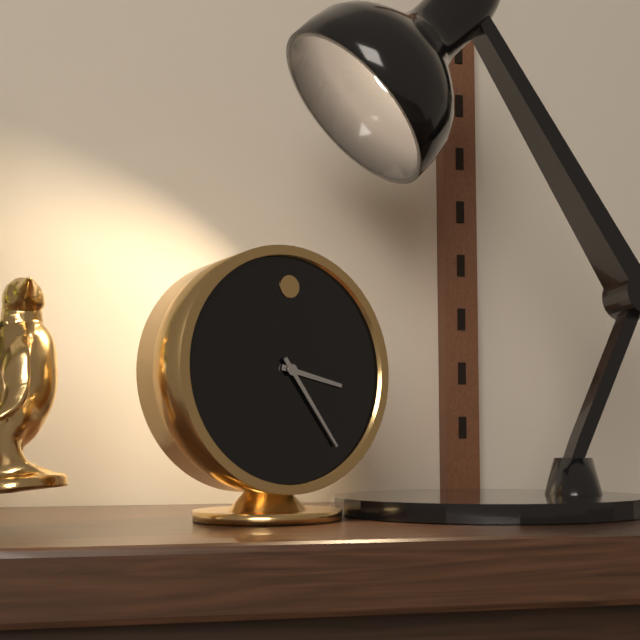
3h24
